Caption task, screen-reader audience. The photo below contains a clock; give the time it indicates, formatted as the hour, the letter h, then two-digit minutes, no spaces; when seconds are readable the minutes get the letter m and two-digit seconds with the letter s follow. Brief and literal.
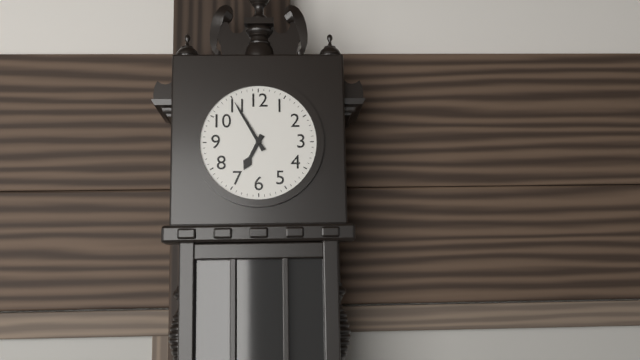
6h55
